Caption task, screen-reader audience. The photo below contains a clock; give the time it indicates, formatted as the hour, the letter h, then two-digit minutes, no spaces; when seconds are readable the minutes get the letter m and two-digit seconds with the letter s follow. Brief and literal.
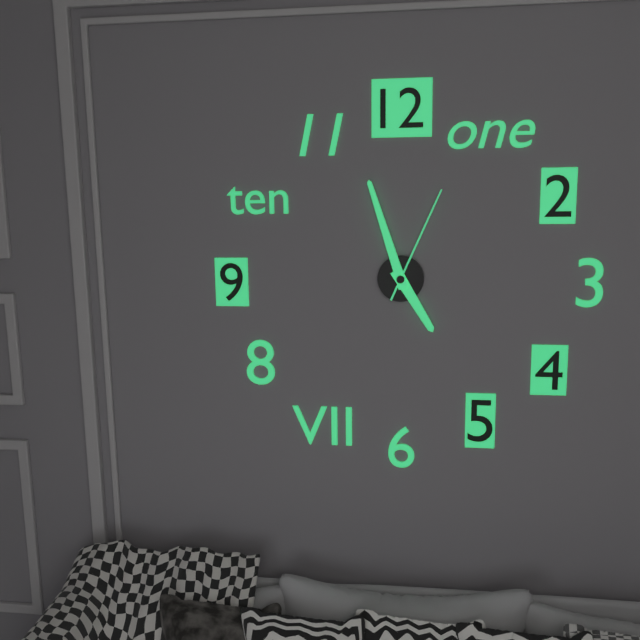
4h57m04s
